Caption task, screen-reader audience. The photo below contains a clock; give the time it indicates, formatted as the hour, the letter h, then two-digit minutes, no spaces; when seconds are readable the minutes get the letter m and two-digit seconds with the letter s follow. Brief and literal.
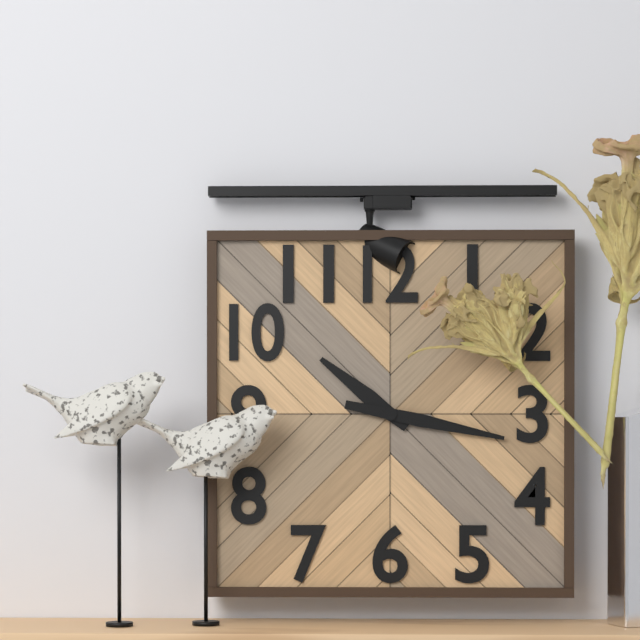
10h17
